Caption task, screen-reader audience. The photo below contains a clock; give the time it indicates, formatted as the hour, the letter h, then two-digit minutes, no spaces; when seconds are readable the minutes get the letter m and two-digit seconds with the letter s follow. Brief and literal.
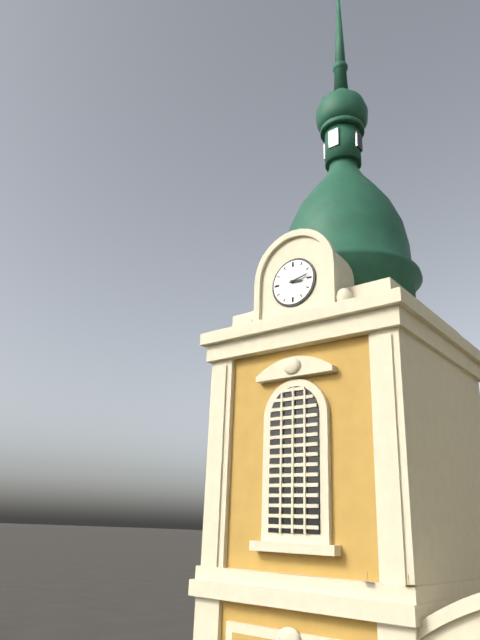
3h13
